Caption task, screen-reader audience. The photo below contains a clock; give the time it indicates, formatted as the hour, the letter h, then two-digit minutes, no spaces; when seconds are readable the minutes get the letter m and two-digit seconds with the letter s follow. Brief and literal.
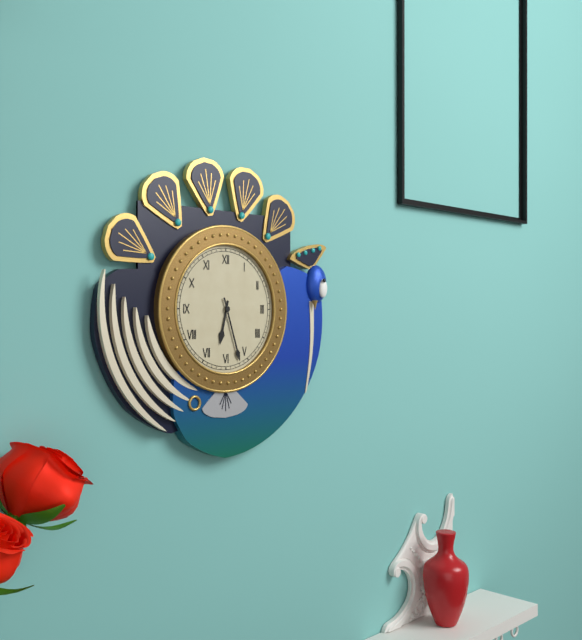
6h27
